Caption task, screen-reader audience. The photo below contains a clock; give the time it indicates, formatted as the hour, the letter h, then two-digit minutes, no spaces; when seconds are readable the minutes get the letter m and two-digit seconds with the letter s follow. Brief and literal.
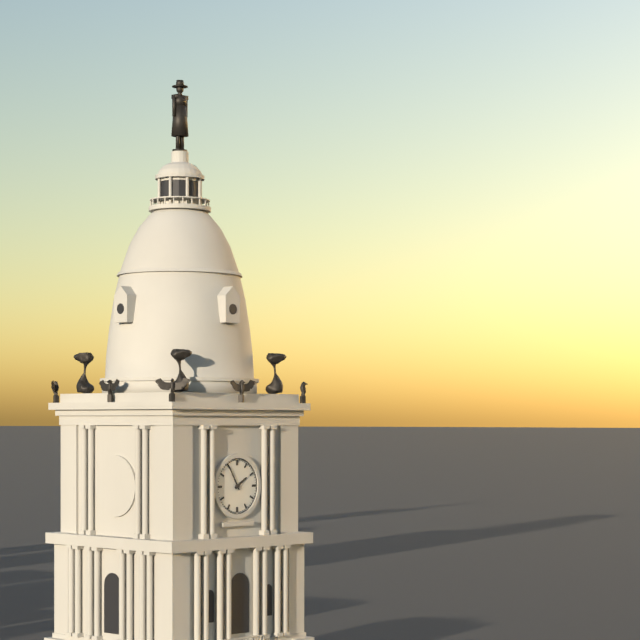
1h55
